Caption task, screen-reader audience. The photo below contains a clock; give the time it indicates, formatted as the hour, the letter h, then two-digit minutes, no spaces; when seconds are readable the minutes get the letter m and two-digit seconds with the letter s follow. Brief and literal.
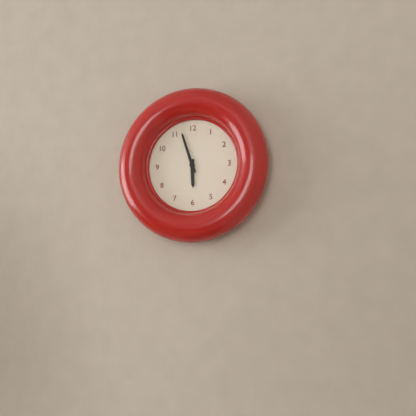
5h57
